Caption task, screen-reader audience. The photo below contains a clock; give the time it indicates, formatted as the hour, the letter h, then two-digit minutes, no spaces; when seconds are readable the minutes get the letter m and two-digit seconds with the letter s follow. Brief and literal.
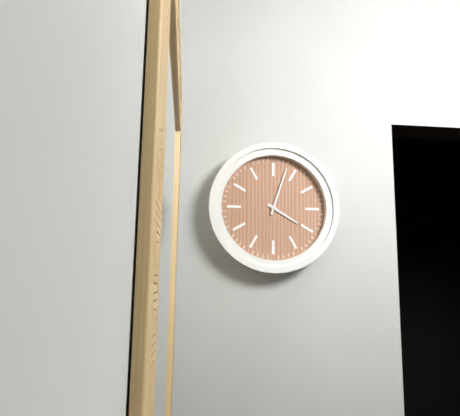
4h03
